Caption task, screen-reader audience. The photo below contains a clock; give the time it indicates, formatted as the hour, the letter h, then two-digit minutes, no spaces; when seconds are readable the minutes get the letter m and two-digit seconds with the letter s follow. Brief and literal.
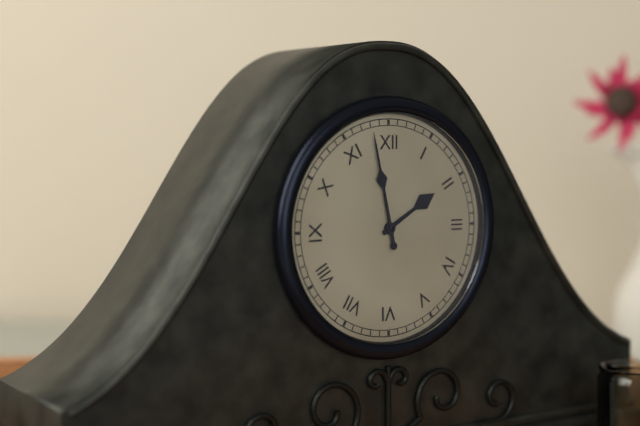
1h58
